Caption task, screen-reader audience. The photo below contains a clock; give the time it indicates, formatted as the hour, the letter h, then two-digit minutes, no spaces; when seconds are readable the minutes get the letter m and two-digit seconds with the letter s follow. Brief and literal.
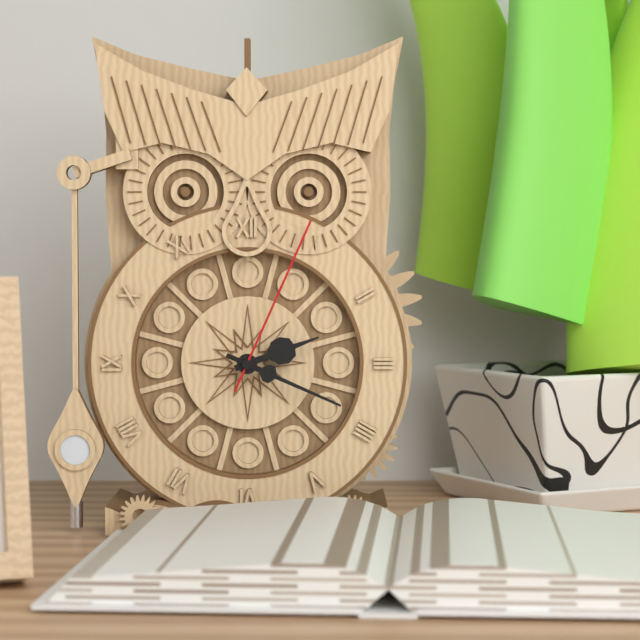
2h19m04s
